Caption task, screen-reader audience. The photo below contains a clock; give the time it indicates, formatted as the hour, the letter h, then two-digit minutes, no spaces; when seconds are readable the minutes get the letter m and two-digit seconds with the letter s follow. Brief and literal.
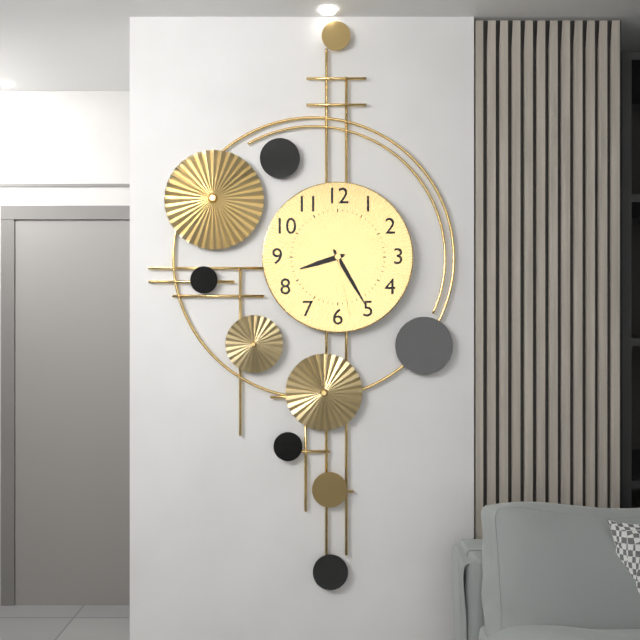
8h25m28s
